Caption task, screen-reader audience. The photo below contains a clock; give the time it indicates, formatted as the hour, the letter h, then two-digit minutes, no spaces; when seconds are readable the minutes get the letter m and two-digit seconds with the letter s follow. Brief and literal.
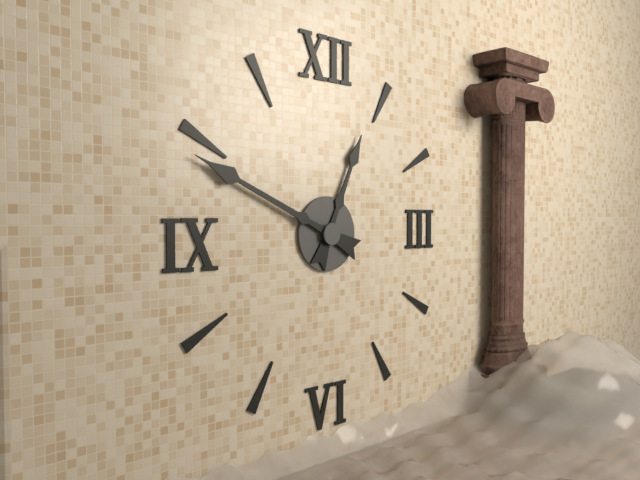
12h49
